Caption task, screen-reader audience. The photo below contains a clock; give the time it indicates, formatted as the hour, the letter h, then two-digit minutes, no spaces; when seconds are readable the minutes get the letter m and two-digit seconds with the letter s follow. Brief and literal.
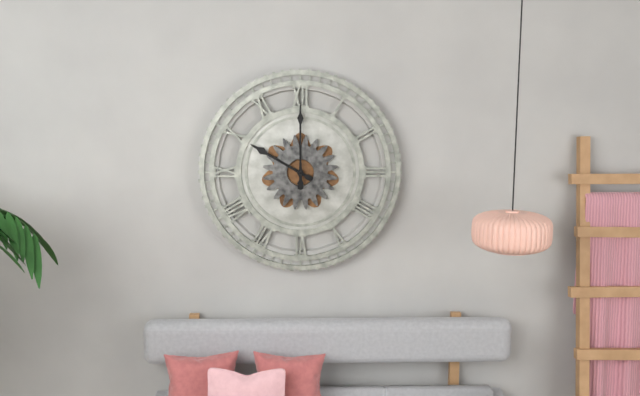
10h00
